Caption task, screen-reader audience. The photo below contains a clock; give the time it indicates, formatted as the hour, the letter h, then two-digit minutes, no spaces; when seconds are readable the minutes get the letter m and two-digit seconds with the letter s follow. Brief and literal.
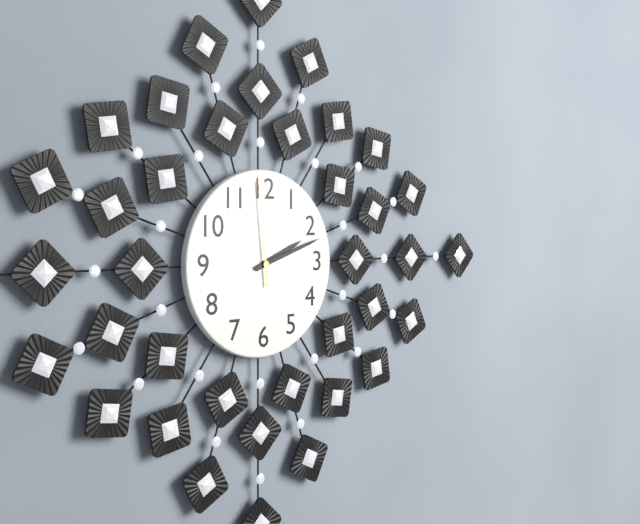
2h12m59s
